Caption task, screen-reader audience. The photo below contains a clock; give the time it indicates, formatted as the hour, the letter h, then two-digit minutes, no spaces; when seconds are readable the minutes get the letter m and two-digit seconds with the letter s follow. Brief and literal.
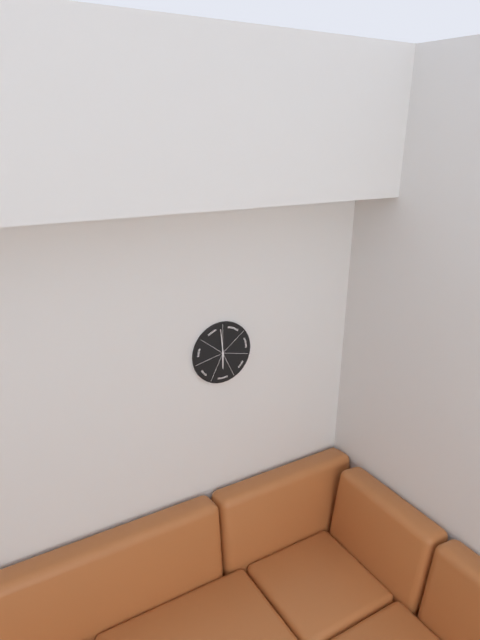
5h59
